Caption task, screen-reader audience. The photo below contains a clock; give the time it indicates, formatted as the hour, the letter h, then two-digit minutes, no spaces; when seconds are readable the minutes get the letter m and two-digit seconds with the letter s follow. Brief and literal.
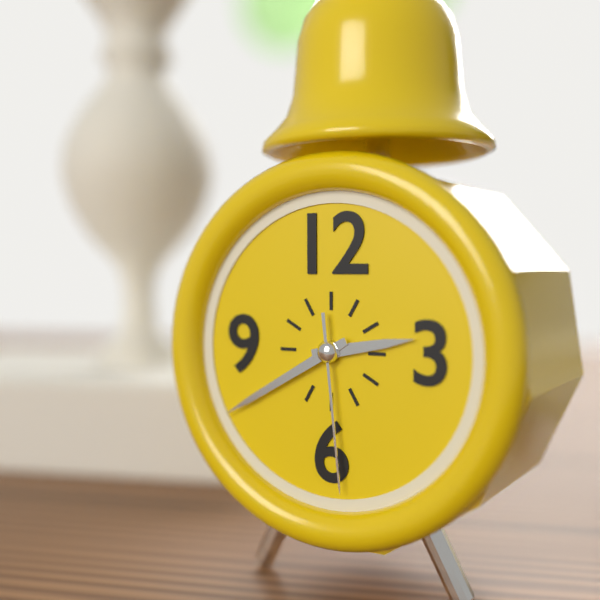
2h40m29s
